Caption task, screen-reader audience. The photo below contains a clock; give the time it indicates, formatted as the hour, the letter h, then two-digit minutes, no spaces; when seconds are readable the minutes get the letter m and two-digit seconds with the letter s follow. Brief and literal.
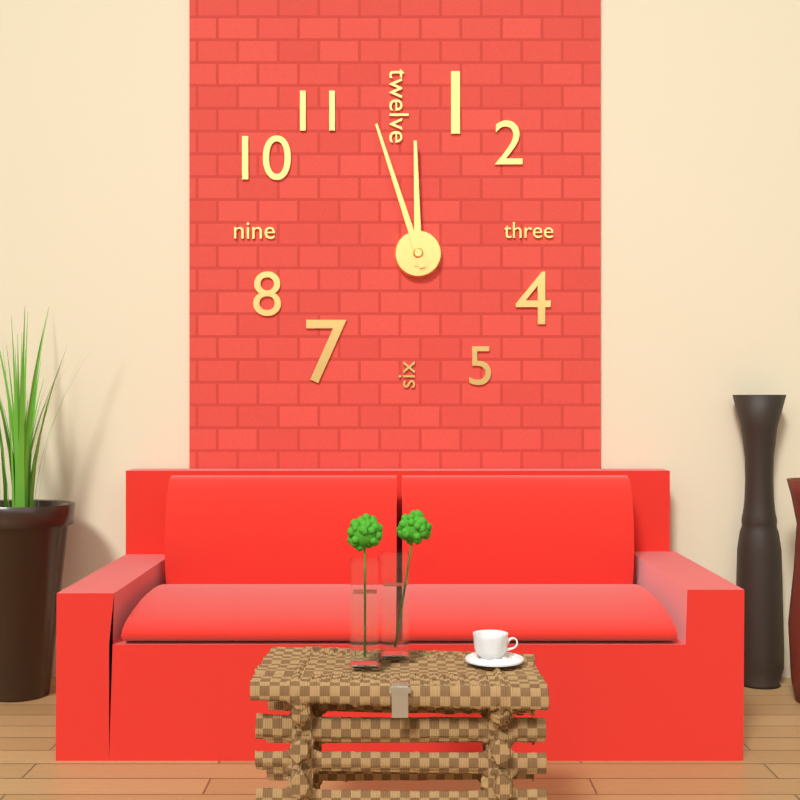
11h57
